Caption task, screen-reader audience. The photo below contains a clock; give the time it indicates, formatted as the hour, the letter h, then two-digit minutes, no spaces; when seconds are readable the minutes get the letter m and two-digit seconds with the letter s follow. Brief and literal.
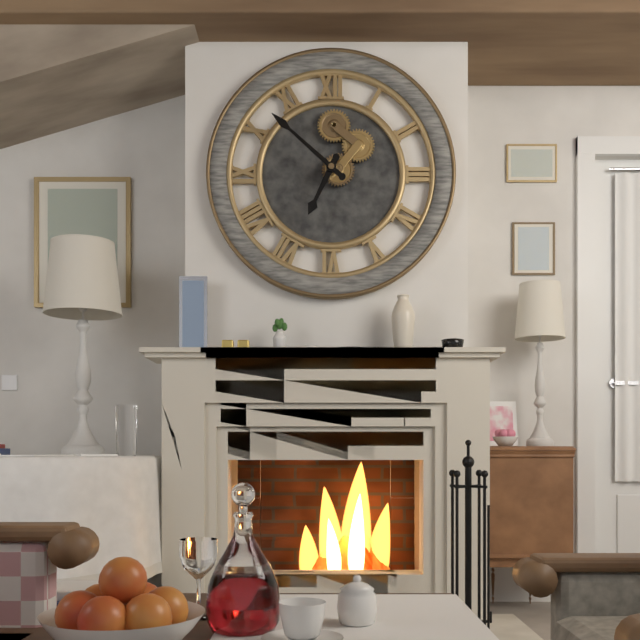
6h52
